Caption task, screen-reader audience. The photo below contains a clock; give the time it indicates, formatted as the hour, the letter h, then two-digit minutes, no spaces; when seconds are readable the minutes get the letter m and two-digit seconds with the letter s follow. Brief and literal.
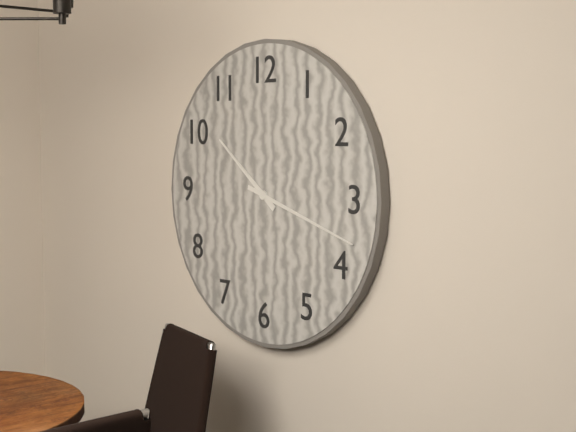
10h18
